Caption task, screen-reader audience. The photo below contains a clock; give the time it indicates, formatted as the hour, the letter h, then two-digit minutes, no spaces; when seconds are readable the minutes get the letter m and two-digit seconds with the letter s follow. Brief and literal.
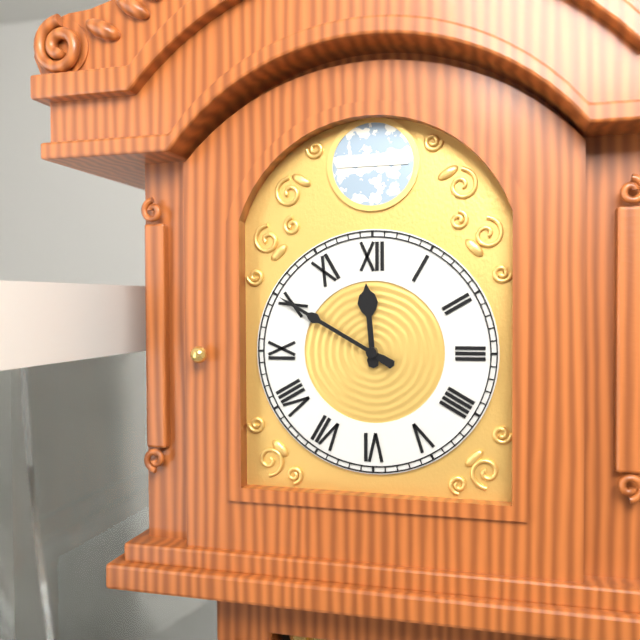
11h50
